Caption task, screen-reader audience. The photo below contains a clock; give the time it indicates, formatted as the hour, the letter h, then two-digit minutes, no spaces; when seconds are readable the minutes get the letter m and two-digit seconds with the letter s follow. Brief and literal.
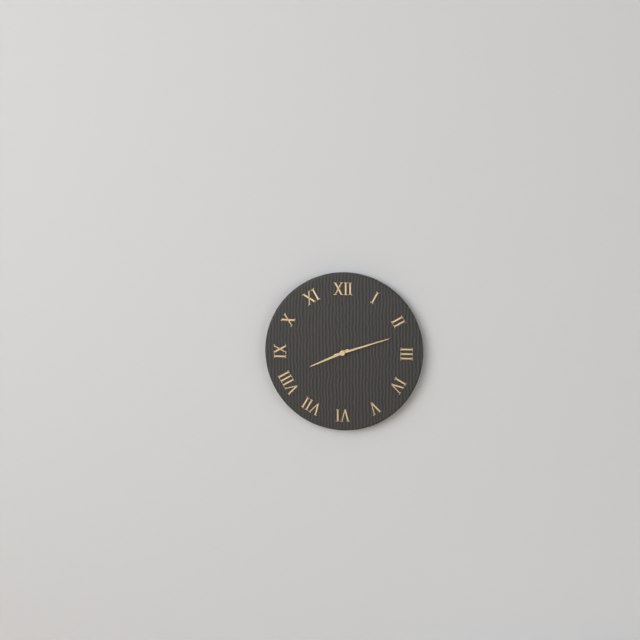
8h12
